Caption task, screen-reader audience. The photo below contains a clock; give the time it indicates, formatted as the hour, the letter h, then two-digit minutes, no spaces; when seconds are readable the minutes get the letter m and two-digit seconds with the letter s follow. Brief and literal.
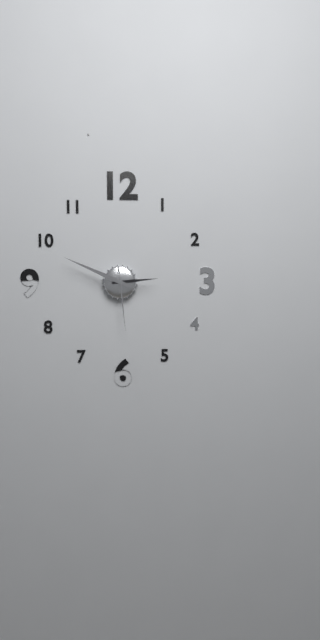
2h49m29s
